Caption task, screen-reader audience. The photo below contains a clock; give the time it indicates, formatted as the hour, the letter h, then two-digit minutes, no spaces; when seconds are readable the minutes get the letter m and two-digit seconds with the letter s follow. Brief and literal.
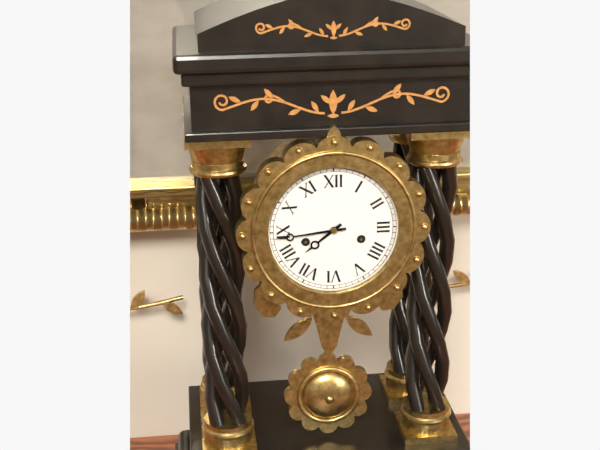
7h44
